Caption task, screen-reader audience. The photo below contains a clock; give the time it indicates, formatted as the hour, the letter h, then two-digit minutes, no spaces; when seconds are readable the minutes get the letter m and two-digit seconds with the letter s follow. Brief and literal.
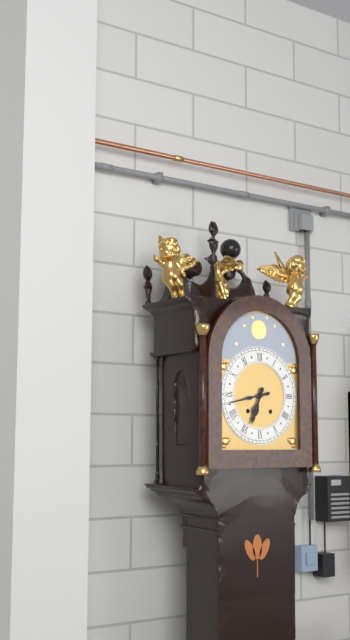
6h43
